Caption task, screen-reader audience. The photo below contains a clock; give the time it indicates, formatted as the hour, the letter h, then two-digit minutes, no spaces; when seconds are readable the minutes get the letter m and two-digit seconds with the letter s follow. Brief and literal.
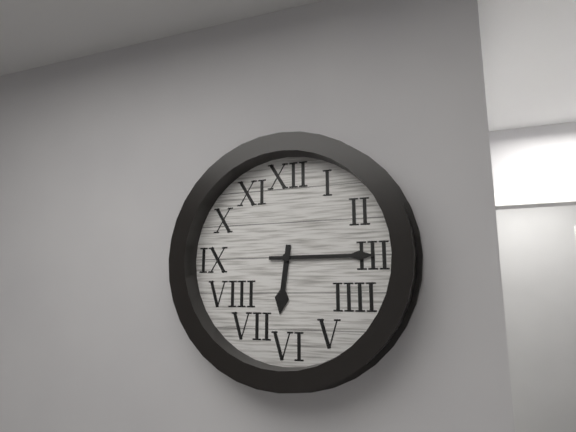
6h15
